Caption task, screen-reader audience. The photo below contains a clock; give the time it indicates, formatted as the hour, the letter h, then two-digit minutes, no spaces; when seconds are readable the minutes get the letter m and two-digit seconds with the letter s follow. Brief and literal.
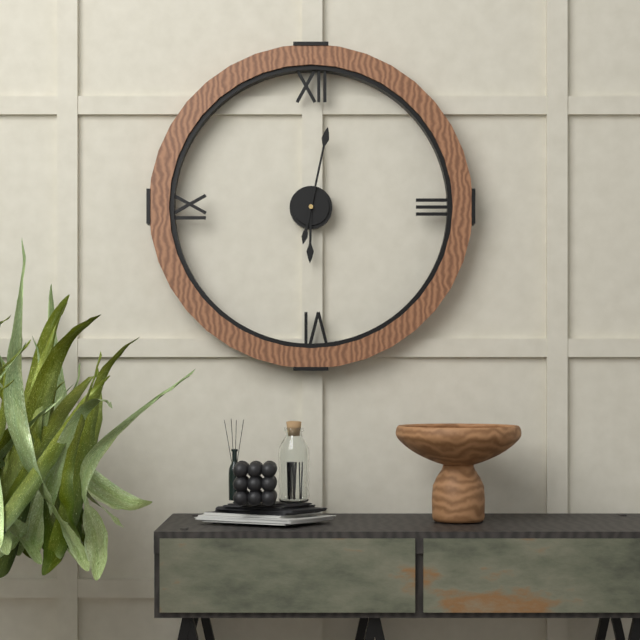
6h02
